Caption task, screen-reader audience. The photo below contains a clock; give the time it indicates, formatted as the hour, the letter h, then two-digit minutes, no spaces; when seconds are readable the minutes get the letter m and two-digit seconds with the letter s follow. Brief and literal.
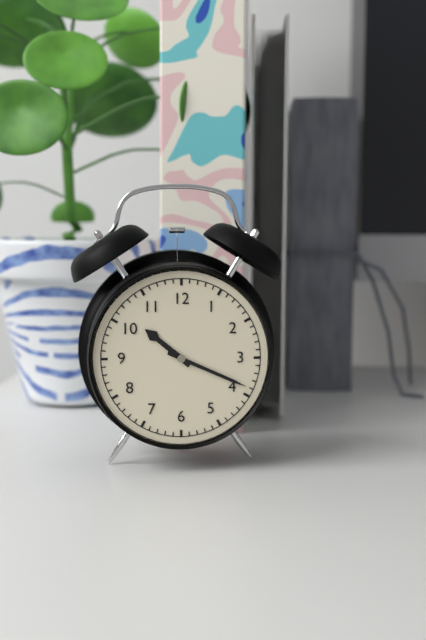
10h19
